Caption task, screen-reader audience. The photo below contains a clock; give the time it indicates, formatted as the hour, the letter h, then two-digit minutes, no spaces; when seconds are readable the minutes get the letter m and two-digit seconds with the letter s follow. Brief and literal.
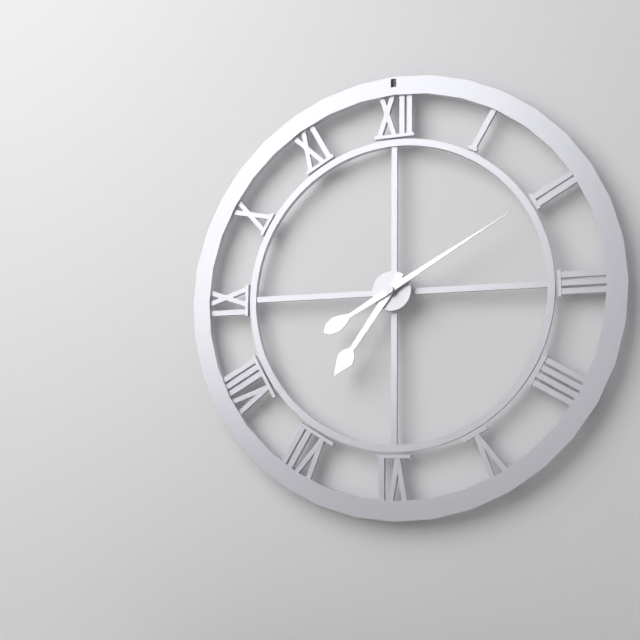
7h10
